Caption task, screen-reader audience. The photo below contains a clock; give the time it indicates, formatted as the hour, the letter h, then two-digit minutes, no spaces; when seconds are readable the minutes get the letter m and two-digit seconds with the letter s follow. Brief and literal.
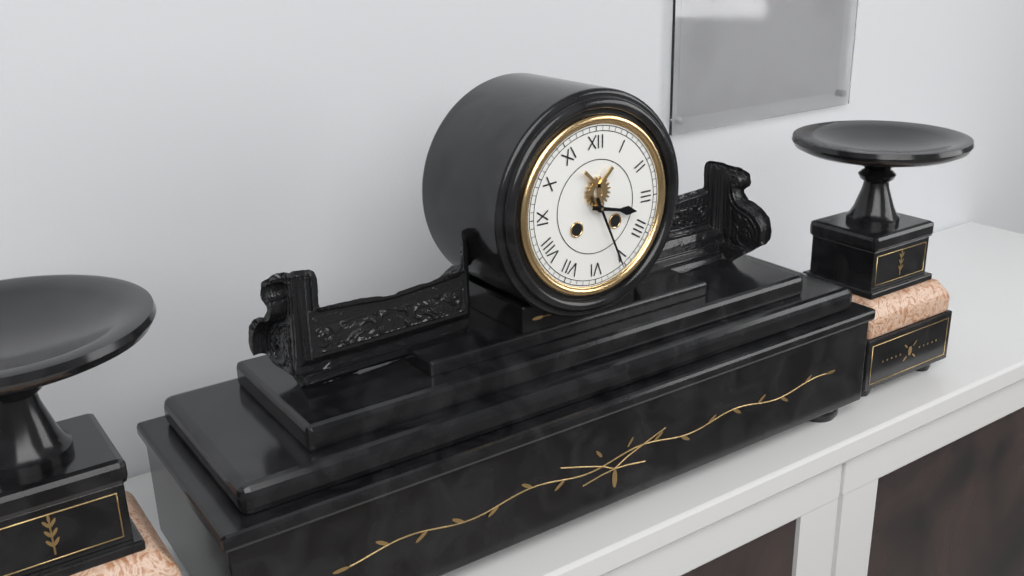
3h26
